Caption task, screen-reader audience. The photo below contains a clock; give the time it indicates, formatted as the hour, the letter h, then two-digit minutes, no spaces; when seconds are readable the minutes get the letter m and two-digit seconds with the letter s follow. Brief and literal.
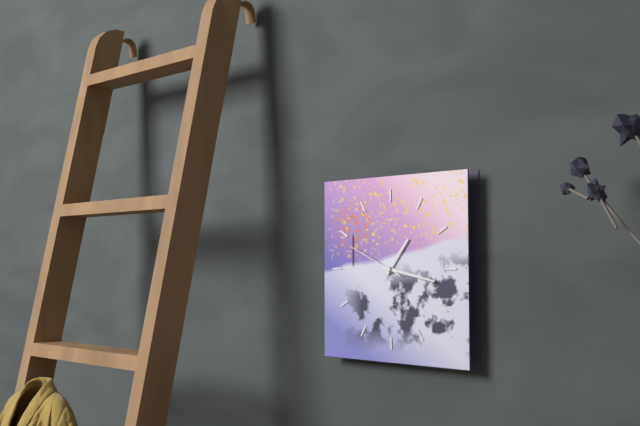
1h17m49s
